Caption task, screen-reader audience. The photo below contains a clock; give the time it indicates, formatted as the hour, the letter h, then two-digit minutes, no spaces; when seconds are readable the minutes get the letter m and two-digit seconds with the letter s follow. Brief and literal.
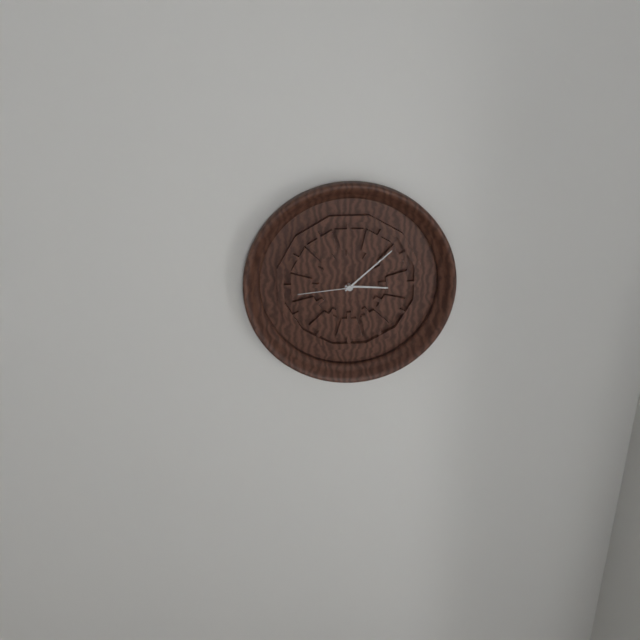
3h08m44s
